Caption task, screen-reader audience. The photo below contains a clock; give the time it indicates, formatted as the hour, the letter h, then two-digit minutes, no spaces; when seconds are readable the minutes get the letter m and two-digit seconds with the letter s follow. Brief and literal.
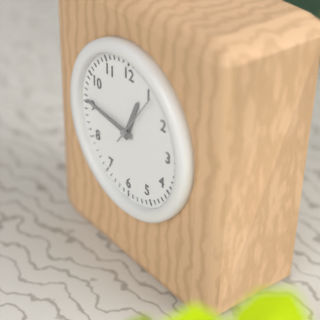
12h46m06s
